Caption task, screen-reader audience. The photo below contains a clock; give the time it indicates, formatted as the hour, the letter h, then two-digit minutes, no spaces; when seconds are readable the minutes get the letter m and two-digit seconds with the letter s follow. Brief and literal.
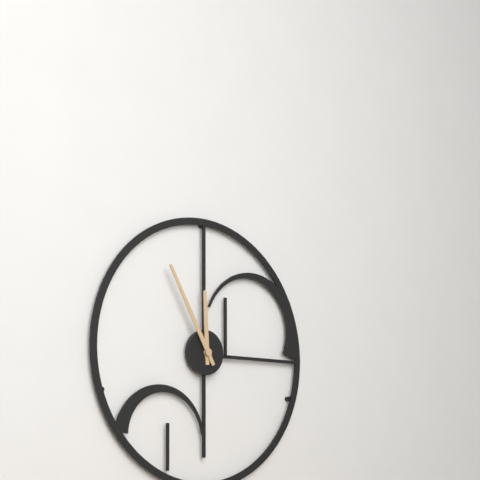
11h55
